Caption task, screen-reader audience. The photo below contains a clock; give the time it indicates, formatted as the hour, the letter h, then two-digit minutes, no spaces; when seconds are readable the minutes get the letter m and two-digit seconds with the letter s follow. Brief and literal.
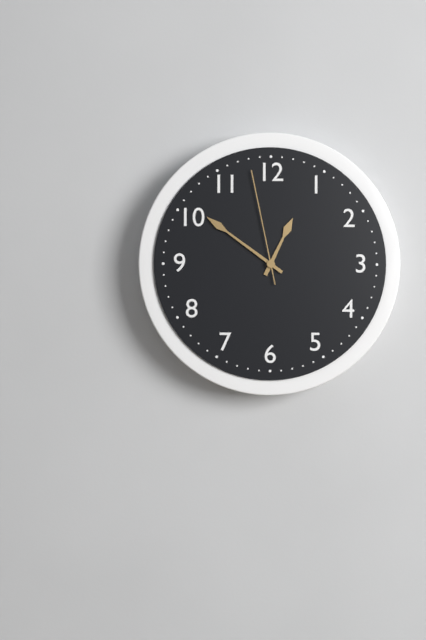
12h51m58s
